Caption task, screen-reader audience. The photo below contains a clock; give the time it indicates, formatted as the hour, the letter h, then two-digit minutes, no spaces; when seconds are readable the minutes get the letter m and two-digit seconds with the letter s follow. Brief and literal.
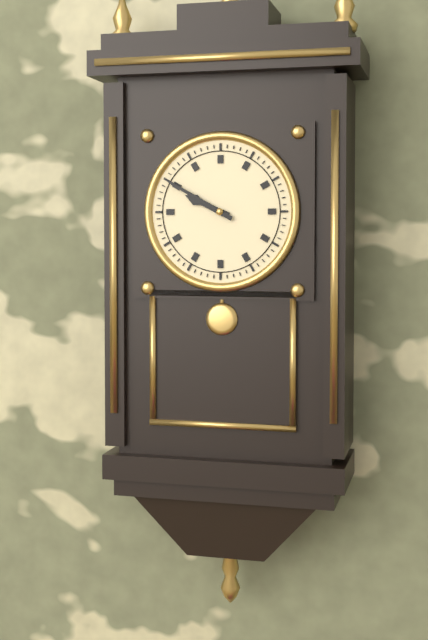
9h50
